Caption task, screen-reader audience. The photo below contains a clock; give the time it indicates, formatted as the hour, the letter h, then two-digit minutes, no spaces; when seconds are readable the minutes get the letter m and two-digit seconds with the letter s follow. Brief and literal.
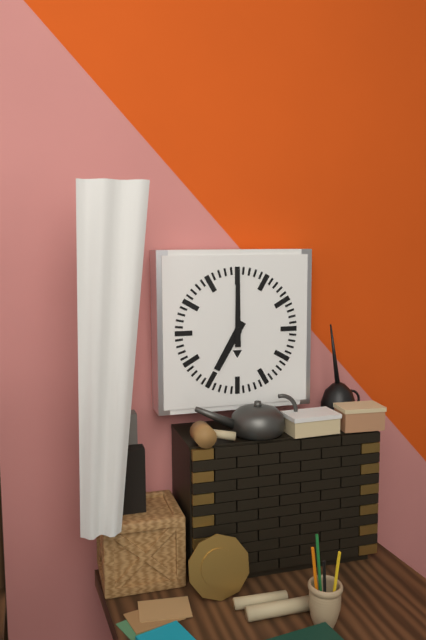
7h00
